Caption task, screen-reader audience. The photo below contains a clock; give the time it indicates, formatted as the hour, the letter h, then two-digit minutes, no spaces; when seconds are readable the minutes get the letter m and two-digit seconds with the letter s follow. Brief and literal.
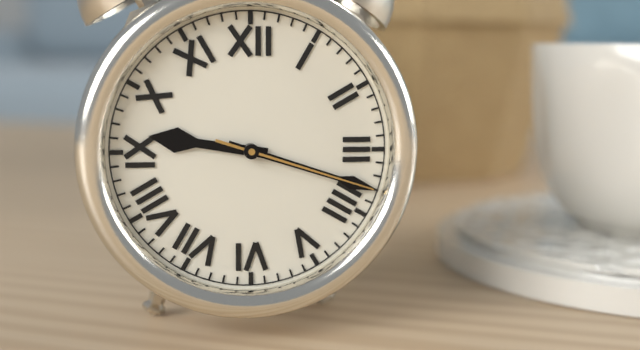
9h18m18s
